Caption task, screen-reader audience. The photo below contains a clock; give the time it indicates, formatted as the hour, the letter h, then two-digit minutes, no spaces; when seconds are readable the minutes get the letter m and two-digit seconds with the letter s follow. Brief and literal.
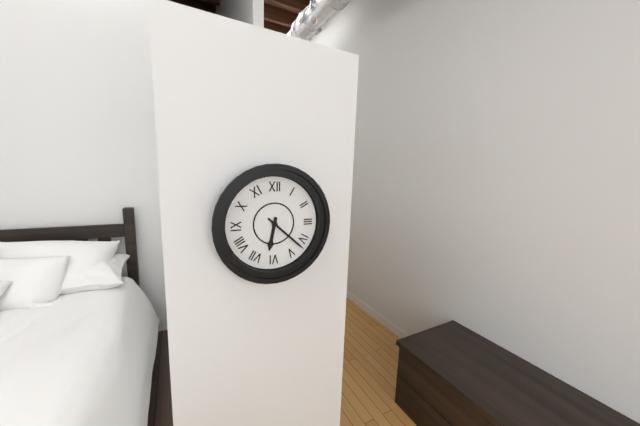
6h22
